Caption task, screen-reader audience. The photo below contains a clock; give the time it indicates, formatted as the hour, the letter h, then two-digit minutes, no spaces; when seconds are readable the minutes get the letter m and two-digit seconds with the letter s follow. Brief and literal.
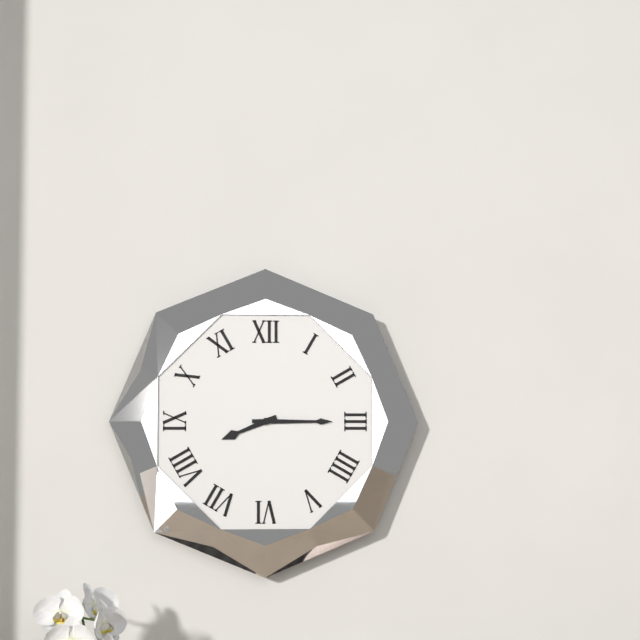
8h15
